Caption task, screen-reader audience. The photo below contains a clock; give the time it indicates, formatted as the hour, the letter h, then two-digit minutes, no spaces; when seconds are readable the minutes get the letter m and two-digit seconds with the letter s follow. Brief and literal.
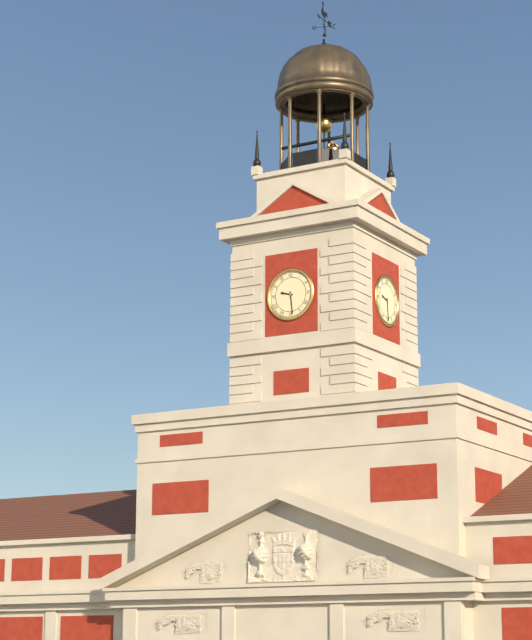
9h29
